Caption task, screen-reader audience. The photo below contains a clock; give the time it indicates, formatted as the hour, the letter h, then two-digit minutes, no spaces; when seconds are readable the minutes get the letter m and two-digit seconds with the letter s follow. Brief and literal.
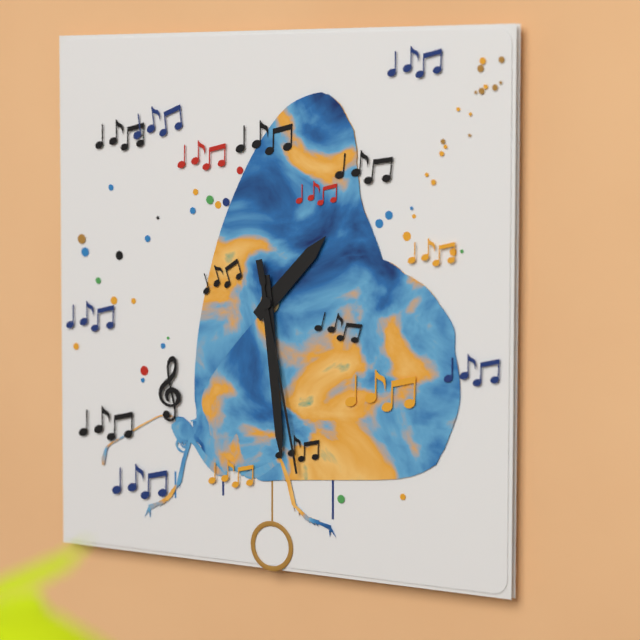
1h29m28s
